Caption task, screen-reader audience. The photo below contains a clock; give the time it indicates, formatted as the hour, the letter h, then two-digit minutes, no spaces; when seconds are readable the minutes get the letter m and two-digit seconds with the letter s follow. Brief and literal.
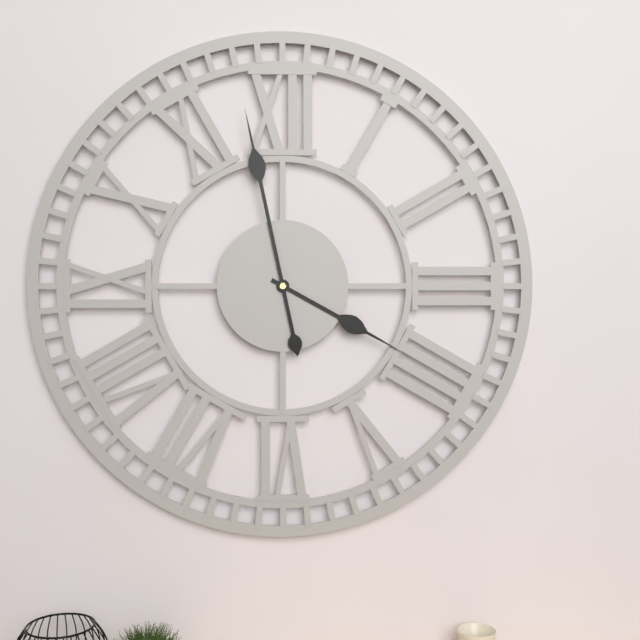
3h58
